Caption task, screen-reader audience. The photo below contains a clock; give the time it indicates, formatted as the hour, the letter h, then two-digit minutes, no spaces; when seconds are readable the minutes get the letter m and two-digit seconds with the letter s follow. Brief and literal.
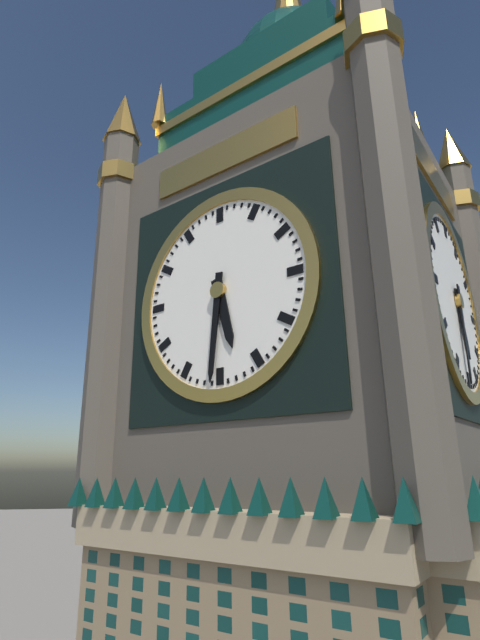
5h31
